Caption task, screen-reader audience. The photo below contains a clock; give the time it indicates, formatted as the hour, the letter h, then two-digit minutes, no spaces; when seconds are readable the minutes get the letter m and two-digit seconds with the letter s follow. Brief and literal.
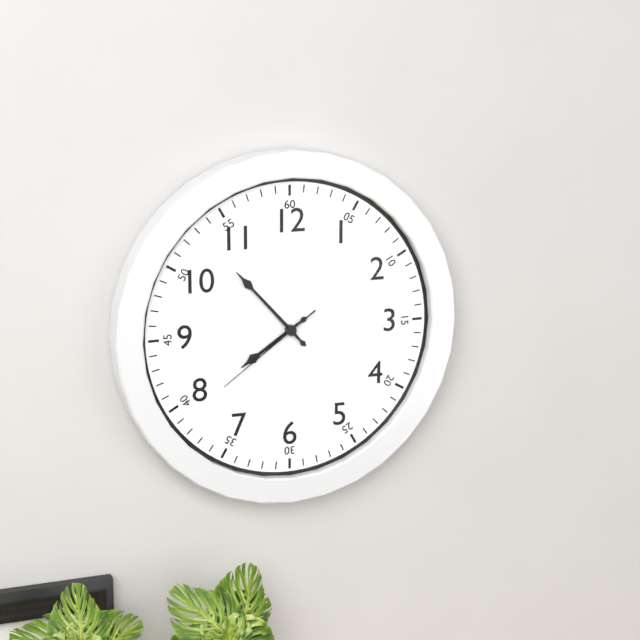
7h53m39s
